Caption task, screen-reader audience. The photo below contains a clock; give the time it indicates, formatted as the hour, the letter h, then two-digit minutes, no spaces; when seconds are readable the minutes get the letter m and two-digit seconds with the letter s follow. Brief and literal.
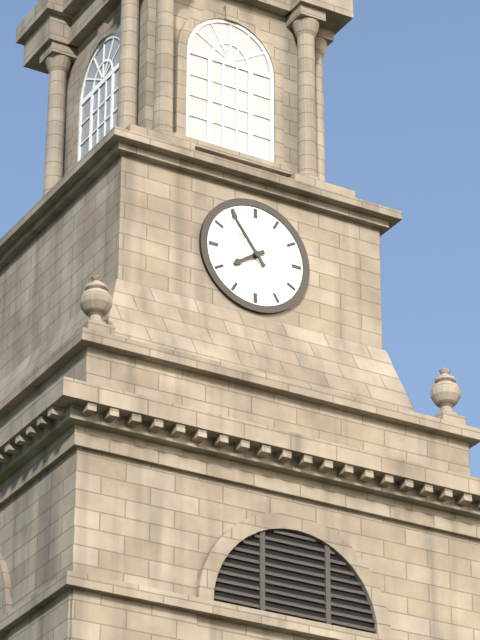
7h54
